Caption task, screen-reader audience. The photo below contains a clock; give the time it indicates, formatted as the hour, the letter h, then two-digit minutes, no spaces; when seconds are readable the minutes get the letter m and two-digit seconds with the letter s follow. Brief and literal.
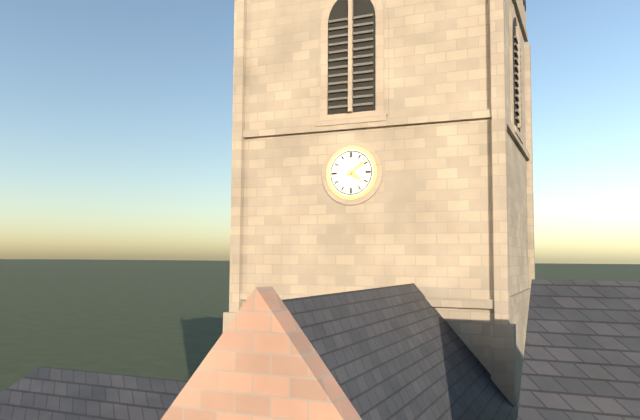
4h09
